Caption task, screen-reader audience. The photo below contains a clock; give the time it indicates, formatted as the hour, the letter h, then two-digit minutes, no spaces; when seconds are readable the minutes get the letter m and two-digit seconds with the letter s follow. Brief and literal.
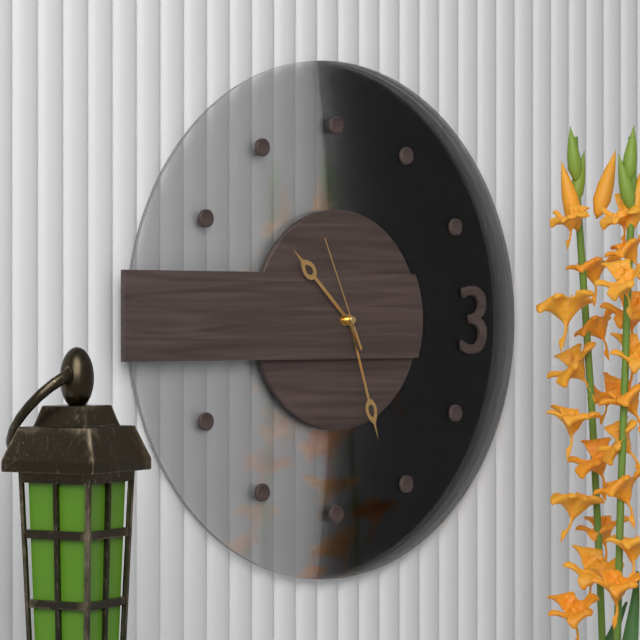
10h27m56s
